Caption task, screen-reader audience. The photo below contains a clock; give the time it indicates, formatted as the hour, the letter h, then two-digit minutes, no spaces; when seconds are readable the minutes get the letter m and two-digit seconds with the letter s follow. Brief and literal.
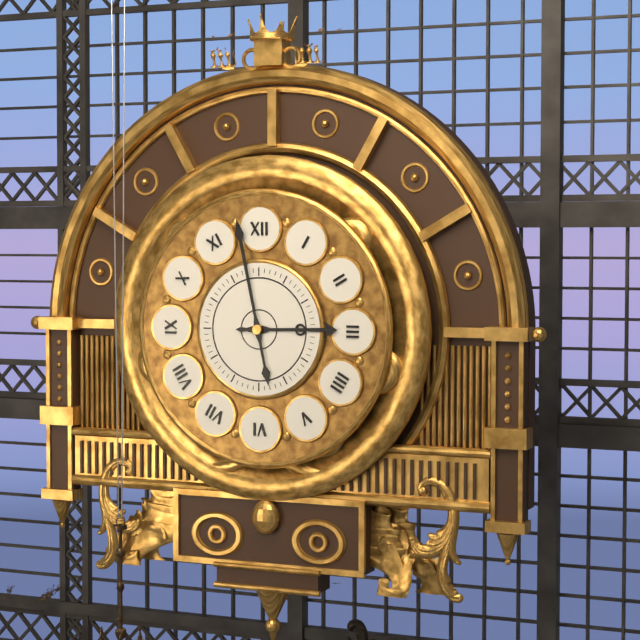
2h58
